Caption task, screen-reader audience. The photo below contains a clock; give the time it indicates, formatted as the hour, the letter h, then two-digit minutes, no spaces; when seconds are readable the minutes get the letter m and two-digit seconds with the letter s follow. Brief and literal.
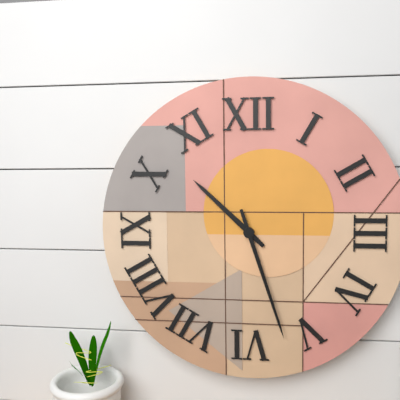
10h27
